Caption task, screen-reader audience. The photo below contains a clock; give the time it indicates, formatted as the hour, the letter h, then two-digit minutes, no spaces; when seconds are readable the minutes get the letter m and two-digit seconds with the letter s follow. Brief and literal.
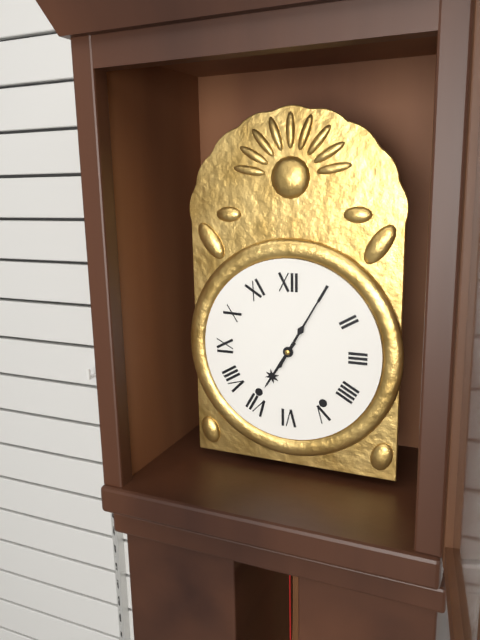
7h05
